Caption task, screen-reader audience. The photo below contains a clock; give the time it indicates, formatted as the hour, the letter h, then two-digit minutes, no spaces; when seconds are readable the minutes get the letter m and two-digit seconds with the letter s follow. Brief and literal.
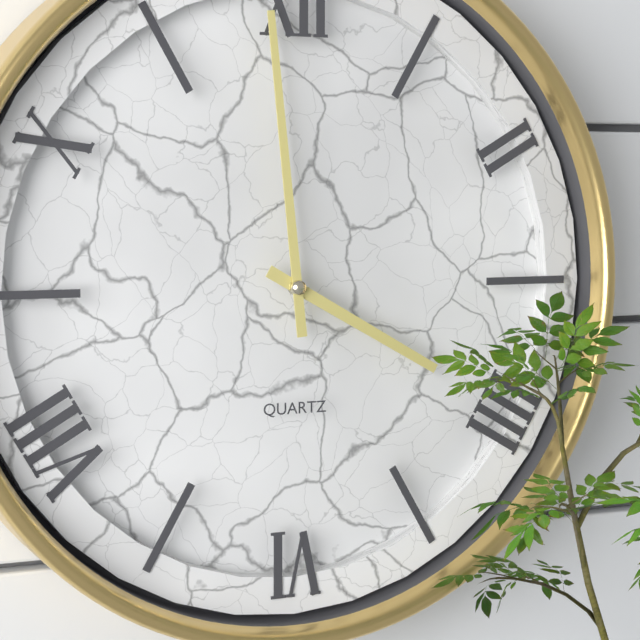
3h59
